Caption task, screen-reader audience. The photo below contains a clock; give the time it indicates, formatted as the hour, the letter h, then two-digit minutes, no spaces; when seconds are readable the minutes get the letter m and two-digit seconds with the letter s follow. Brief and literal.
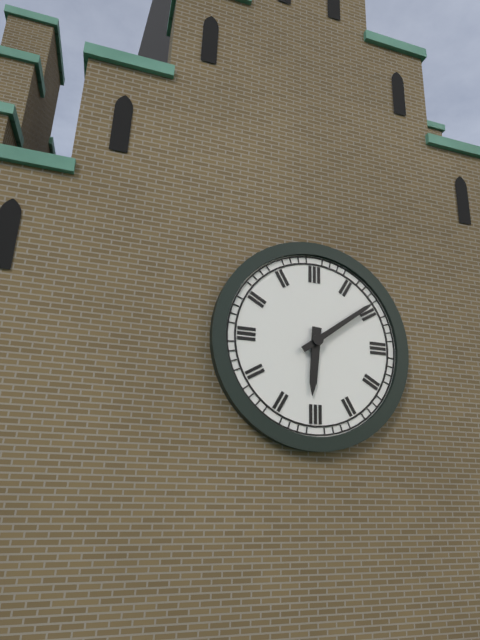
6h09
